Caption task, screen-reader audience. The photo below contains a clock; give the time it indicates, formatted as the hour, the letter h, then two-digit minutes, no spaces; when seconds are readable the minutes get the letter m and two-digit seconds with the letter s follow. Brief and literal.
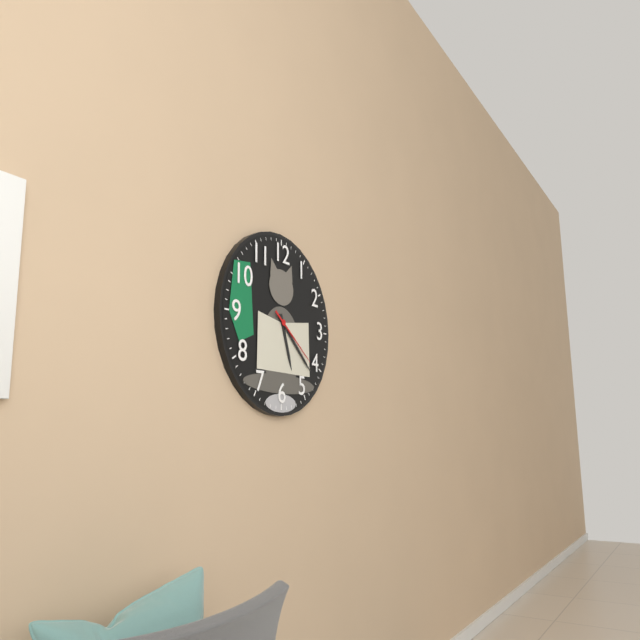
5h22m21s
